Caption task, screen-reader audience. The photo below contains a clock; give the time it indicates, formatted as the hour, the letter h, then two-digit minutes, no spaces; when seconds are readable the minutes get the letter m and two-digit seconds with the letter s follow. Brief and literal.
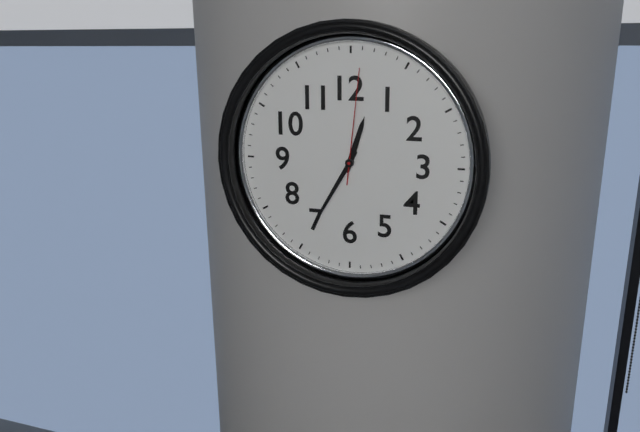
12h35m01s
